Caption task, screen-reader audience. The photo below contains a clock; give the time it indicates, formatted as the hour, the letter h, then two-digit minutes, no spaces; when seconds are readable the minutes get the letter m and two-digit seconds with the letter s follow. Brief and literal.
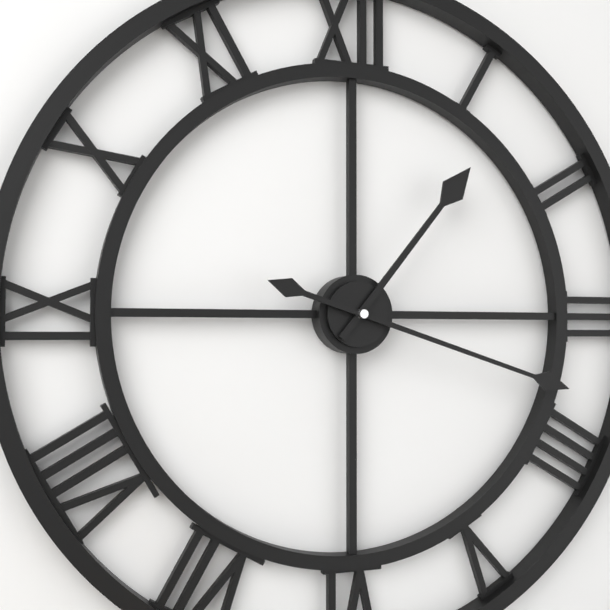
1h18
